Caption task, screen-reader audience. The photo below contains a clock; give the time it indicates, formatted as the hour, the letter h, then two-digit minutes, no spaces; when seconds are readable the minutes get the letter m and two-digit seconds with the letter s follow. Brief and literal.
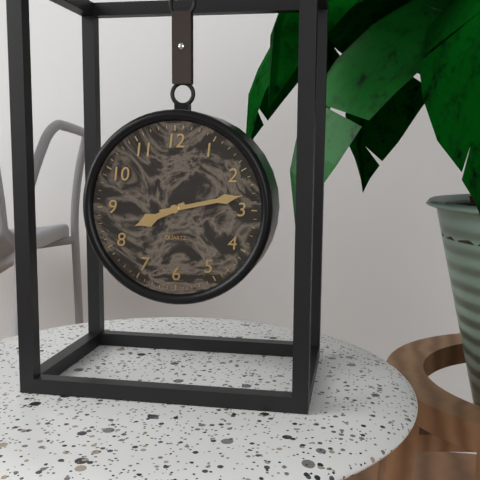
8h13
